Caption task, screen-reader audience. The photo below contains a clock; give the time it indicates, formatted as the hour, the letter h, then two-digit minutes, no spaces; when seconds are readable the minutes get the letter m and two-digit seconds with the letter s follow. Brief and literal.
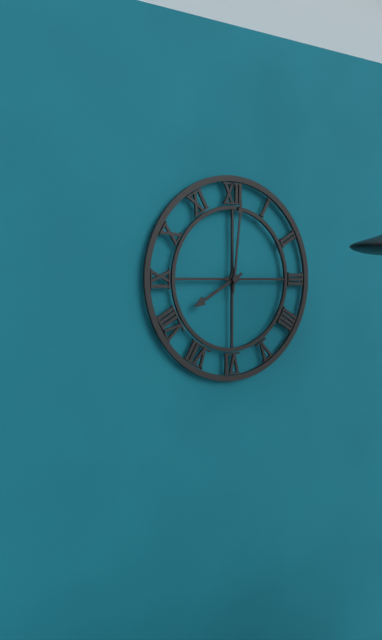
8h01
